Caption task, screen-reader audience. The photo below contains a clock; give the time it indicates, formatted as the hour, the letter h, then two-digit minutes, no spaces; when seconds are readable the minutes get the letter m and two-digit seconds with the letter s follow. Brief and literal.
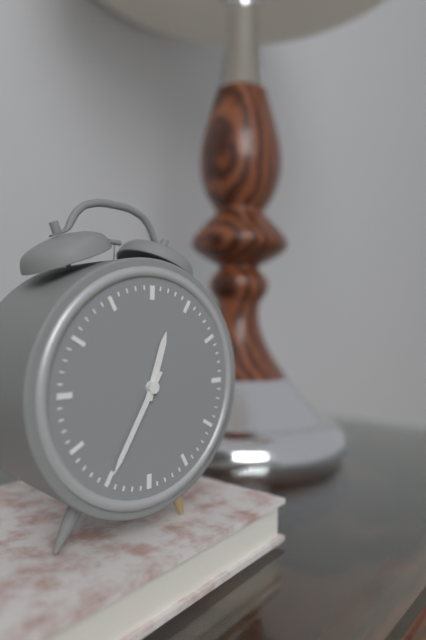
12h35
